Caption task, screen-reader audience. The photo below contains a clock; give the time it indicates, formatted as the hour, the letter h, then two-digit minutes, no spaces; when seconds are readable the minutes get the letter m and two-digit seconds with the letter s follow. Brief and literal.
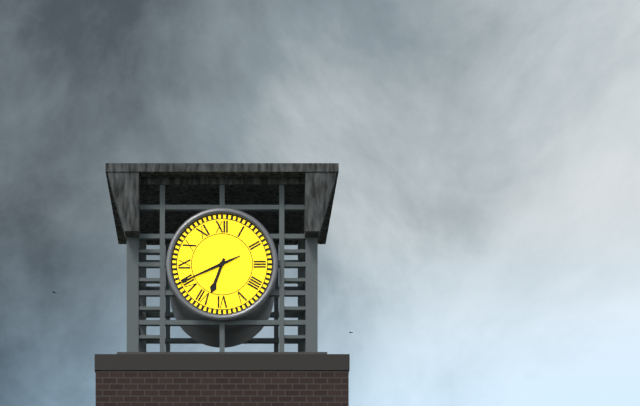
6h41
